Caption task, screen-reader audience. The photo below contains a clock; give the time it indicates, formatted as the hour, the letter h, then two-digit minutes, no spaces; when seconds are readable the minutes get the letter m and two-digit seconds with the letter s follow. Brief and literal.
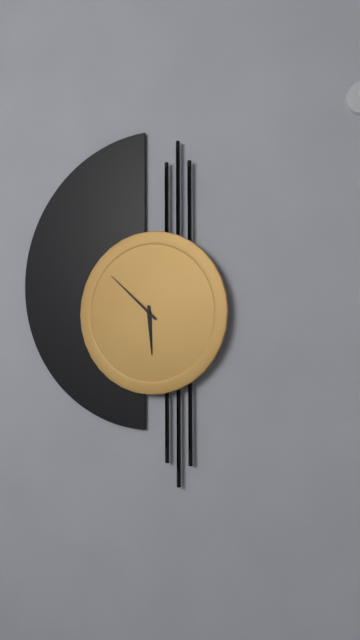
5h52
